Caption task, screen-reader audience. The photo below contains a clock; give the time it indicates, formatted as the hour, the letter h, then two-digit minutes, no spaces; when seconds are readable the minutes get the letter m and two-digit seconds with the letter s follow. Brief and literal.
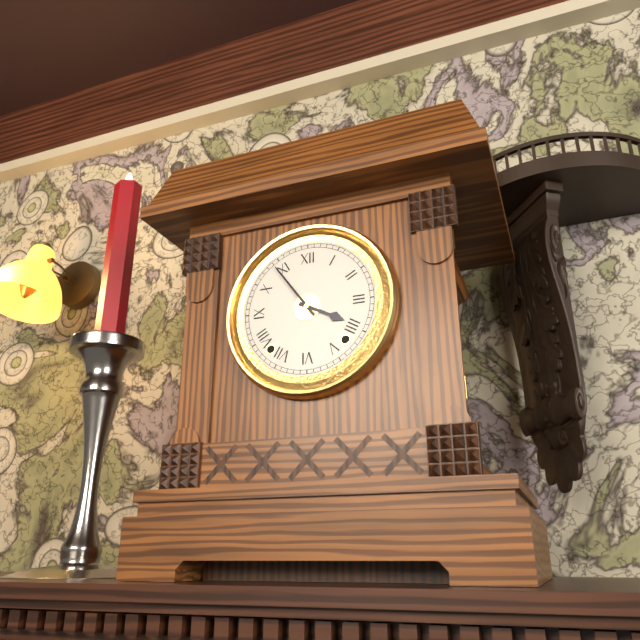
3h54
